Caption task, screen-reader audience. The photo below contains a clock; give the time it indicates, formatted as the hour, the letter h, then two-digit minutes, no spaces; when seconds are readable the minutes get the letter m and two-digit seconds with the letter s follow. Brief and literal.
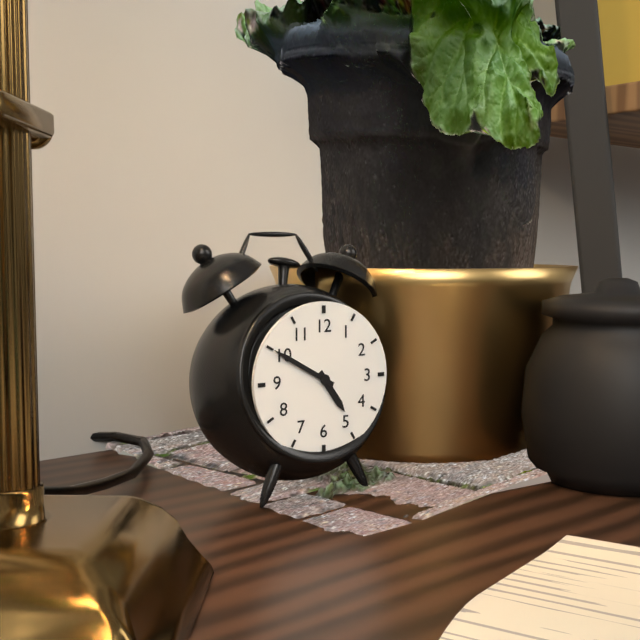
4h50
